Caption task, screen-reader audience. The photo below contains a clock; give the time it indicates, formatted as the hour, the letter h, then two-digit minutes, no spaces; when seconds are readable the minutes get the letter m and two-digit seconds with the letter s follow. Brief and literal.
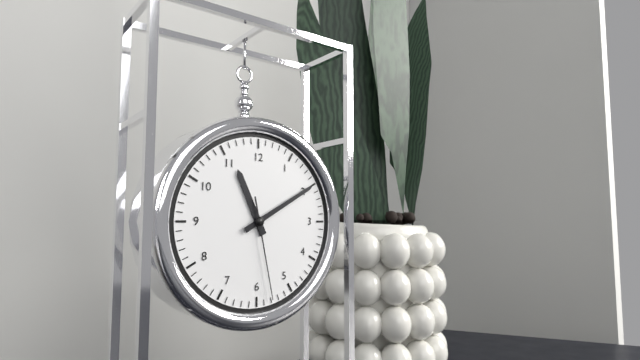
11h10m28s
